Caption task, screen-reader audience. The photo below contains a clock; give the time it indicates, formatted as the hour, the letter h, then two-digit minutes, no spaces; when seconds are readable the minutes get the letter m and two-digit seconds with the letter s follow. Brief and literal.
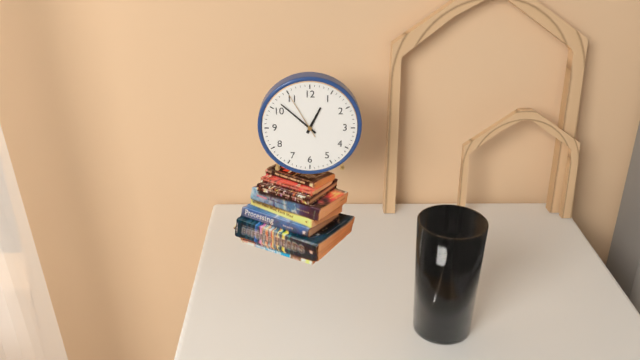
12h52
